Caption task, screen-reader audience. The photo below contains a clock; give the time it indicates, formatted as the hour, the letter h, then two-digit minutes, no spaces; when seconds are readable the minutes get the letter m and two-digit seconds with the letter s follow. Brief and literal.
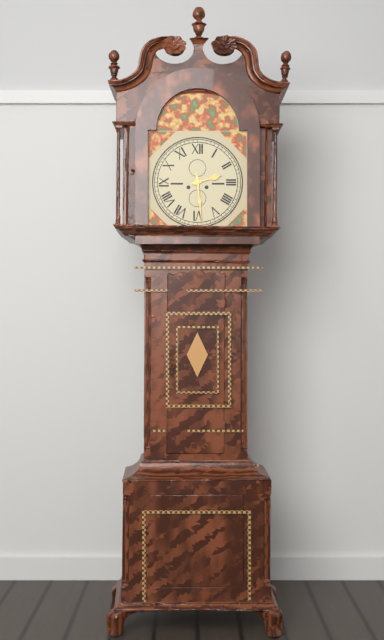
2h29
